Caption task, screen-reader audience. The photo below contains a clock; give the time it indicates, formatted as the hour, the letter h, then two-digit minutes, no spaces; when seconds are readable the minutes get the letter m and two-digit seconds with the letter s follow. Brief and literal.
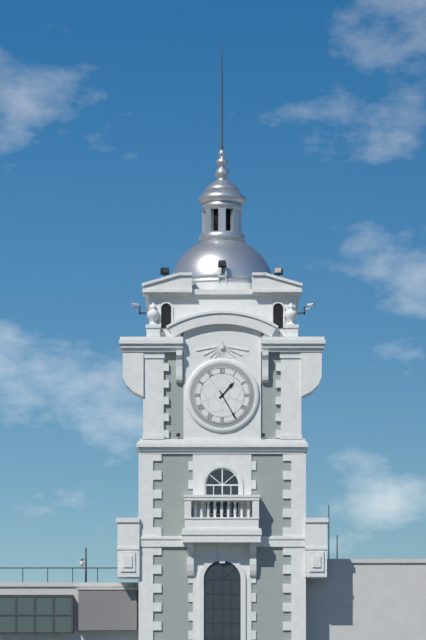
1h25
